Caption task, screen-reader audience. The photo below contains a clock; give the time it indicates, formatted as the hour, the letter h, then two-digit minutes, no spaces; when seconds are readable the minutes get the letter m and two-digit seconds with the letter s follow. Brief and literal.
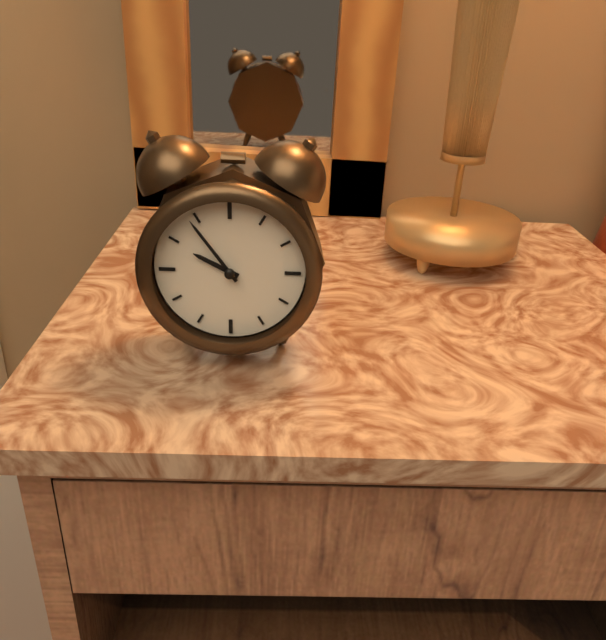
9h54
